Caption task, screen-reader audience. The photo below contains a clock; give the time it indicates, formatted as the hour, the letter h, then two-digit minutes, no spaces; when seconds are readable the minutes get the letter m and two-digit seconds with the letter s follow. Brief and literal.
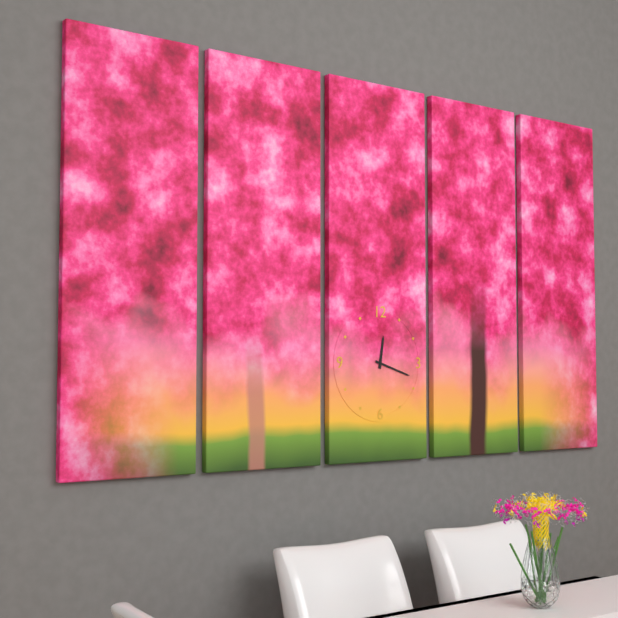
12h18
